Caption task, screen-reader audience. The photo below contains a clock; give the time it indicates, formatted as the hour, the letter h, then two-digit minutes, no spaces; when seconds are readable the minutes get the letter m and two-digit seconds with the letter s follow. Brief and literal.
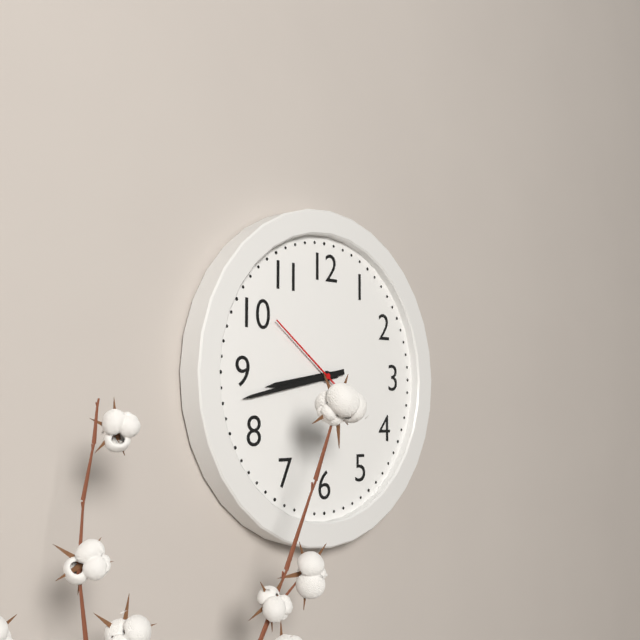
8h43m51s
